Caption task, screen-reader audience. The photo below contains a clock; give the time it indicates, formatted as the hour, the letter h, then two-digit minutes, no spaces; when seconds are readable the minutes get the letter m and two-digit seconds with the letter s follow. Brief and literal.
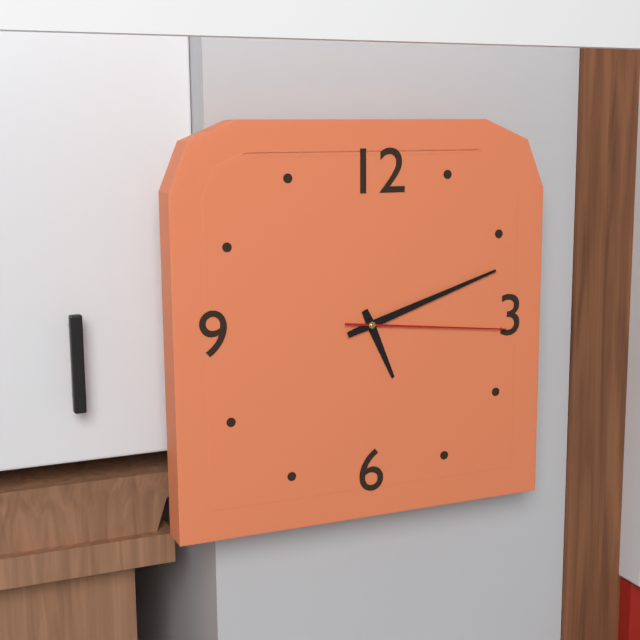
5h12m16s
